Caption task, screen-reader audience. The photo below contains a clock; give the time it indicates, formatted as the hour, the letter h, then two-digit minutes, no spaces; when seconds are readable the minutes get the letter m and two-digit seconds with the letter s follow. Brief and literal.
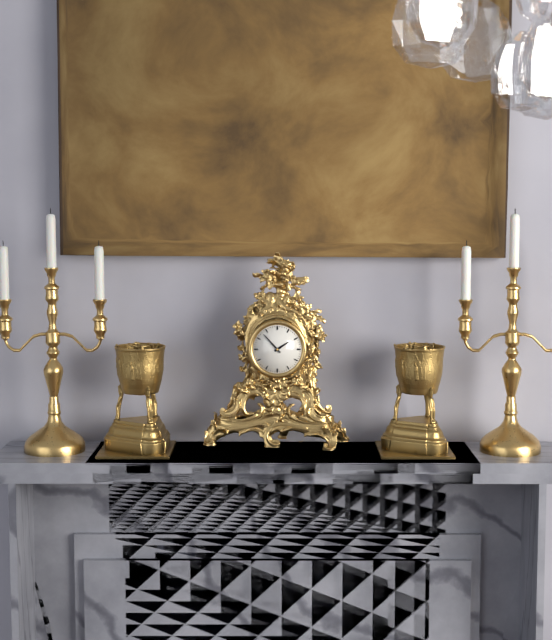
1h53
